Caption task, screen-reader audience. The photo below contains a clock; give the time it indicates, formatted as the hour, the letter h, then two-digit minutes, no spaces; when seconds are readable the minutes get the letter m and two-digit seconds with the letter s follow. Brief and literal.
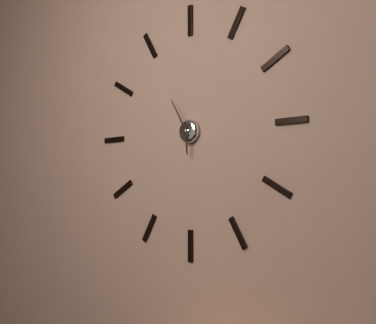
5h55
